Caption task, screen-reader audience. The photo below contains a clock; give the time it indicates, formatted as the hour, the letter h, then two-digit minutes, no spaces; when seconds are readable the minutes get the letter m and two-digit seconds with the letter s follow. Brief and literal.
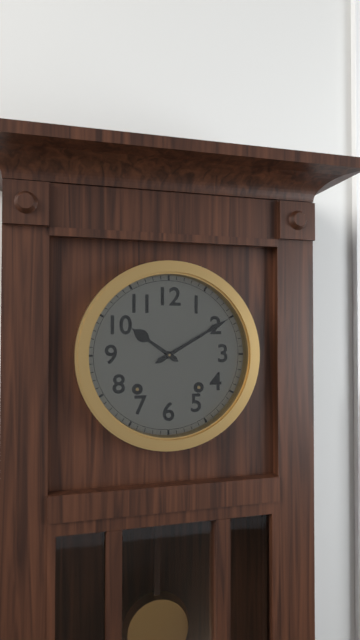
10h10
